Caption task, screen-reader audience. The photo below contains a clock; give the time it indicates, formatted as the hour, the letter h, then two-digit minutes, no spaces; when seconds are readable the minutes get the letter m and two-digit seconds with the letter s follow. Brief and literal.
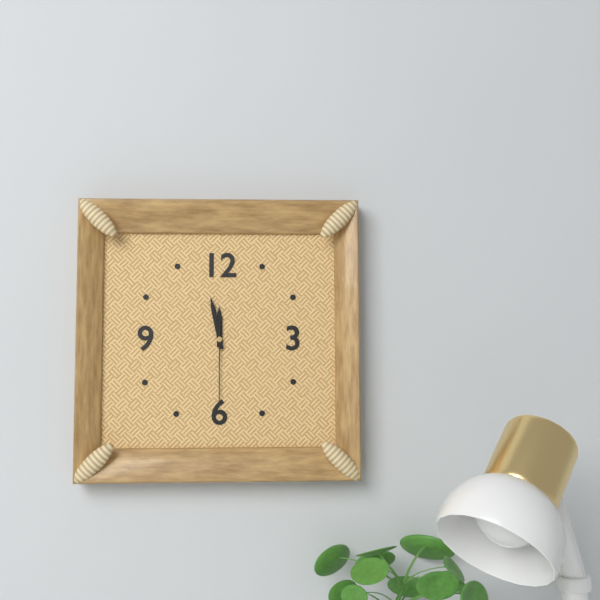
11h58m30s
